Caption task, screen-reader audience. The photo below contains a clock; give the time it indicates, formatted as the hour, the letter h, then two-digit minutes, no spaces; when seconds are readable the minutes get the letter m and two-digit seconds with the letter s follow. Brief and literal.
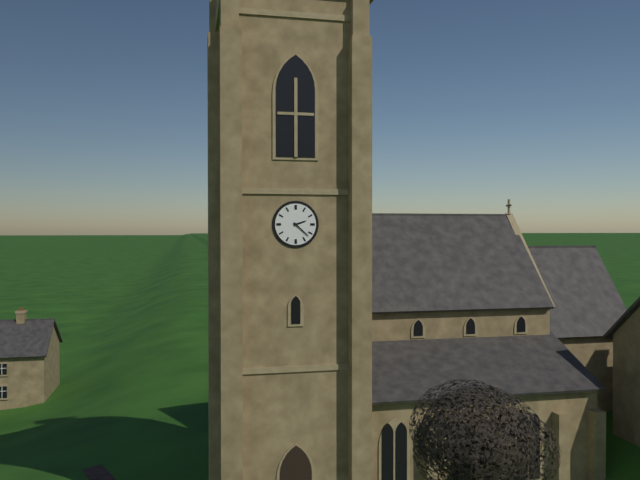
2h22
